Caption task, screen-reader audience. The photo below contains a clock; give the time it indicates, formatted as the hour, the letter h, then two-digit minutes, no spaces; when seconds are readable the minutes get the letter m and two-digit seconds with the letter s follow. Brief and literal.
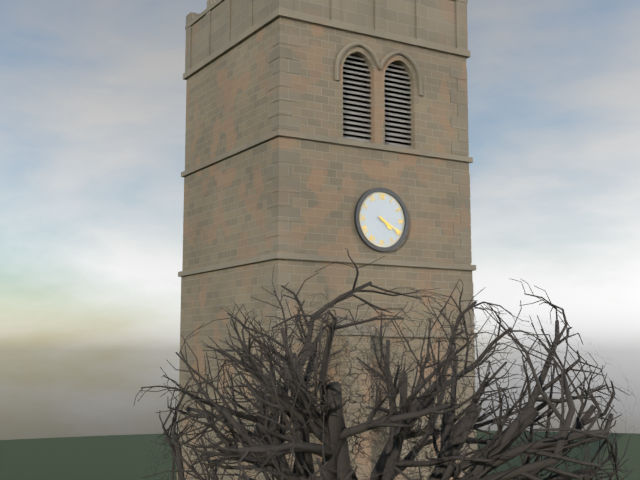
4h20
